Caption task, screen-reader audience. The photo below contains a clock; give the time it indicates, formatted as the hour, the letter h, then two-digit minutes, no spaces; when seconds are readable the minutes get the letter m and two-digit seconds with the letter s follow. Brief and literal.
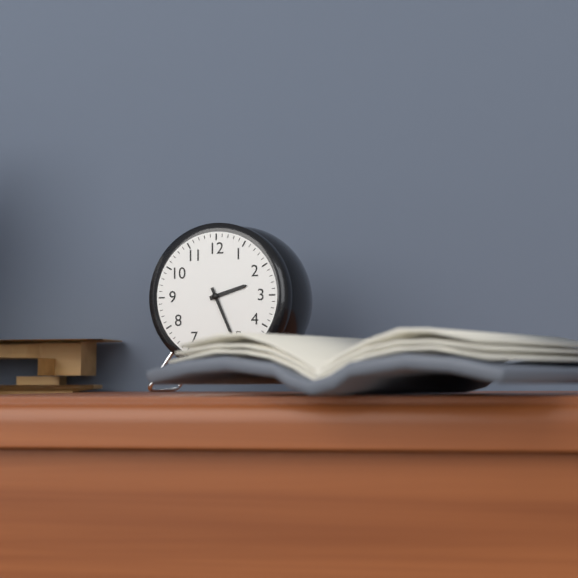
2h26
